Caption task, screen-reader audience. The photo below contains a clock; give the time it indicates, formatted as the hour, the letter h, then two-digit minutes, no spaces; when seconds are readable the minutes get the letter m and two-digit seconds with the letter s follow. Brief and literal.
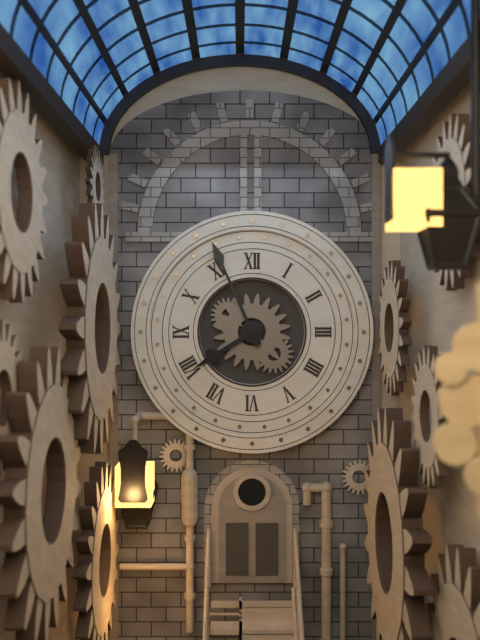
7h56
